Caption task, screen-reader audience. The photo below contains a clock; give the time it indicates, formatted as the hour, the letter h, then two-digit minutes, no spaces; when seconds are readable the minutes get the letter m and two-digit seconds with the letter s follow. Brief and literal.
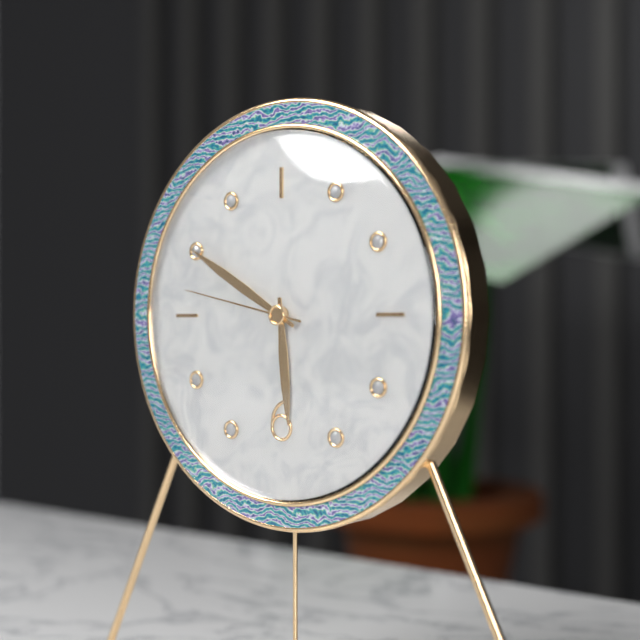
5h50m47s
